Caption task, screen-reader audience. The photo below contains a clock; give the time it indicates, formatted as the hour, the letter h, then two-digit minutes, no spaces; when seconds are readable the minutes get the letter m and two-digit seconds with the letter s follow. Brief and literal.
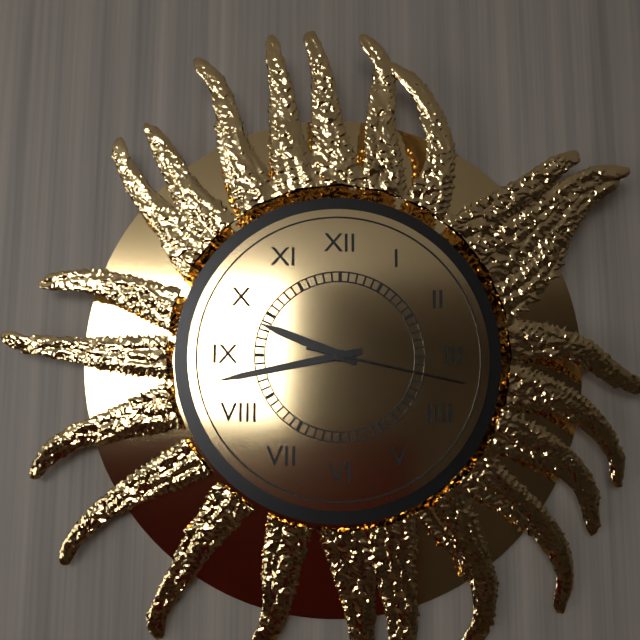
9h43m17s
